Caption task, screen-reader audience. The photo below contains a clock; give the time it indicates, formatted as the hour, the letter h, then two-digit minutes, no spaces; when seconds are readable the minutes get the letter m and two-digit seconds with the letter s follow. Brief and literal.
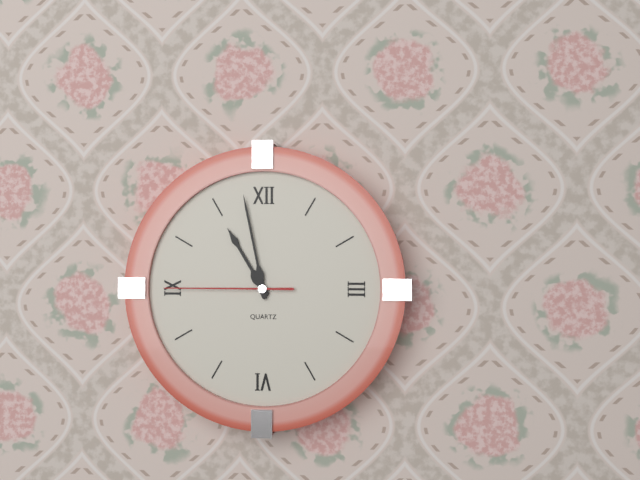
10h58m45s
